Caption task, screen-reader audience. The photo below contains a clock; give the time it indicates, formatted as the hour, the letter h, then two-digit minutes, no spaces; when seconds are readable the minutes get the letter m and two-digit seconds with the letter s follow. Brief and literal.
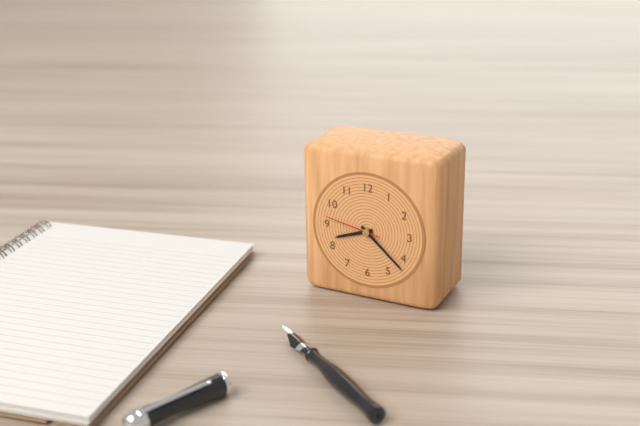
8h22m47s
